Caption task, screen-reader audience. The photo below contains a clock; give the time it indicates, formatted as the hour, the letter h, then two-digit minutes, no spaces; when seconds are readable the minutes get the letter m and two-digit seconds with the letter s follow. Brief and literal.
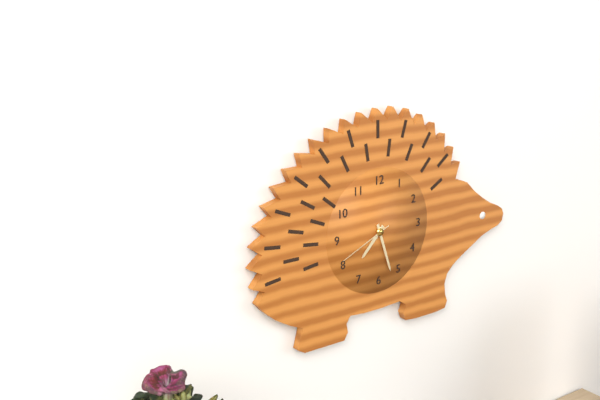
7h27m41s
